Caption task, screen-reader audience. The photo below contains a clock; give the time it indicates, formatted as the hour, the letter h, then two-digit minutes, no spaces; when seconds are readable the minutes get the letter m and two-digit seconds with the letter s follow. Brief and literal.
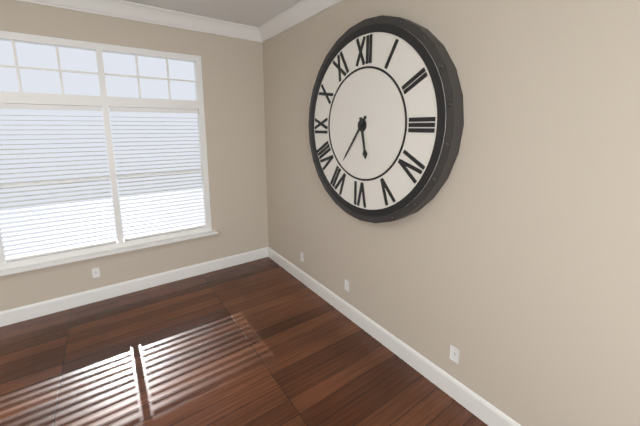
5h36
